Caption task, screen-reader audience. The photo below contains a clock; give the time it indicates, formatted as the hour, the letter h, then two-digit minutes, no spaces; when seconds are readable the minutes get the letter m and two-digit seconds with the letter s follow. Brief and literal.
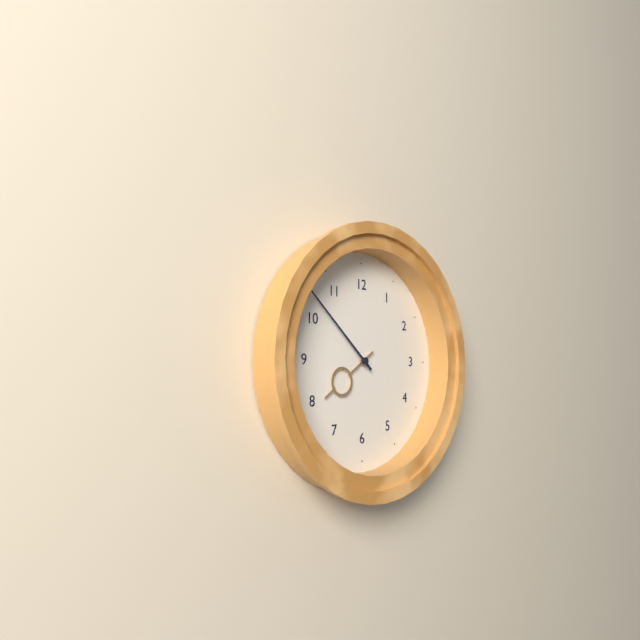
7h52
